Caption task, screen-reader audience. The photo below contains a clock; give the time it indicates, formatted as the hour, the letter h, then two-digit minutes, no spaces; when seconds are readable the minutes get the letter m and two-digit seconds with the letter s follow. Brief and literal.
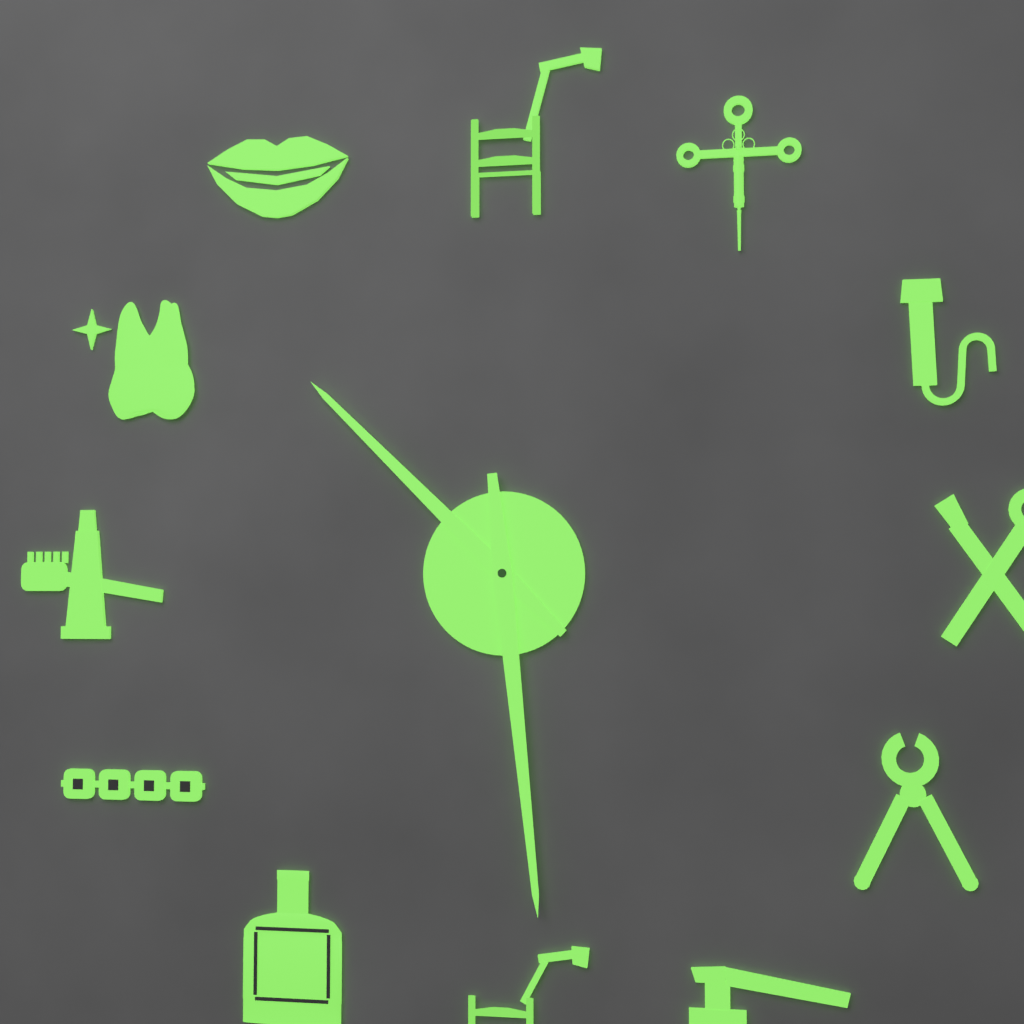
10h29
